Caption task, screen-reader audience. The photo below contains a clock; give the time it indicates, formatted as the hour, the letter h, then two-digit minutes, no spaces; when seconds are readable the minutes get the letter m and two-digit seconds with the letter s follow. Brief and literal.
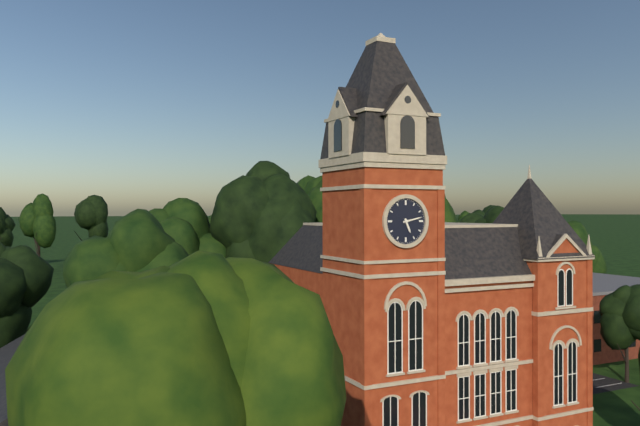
5h13
